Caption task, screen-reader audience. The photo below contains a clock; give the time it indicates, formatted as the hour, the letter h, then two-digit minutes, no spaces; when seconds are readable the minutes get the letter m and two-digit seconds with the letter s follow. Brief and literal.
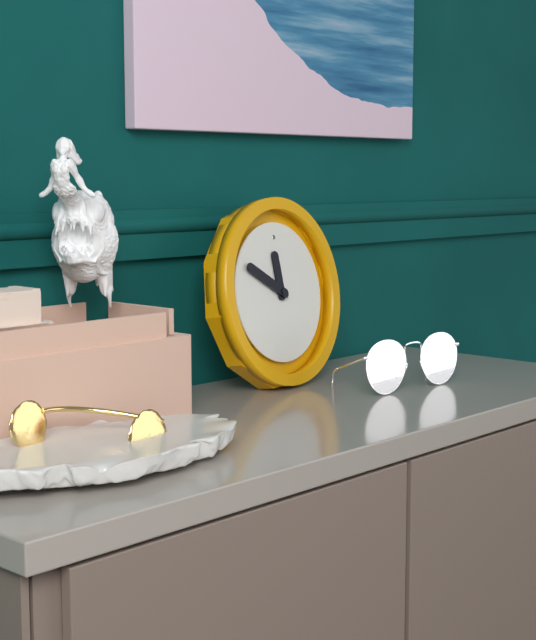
11h50
